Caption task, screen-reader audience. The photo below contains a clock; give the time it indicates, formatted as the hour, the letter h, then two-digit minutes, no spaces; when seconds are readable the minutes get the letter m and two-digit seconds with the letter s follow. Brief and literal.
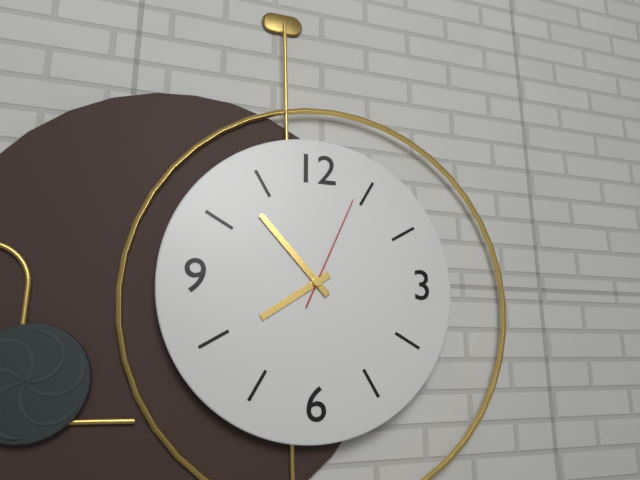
7h53m04s
